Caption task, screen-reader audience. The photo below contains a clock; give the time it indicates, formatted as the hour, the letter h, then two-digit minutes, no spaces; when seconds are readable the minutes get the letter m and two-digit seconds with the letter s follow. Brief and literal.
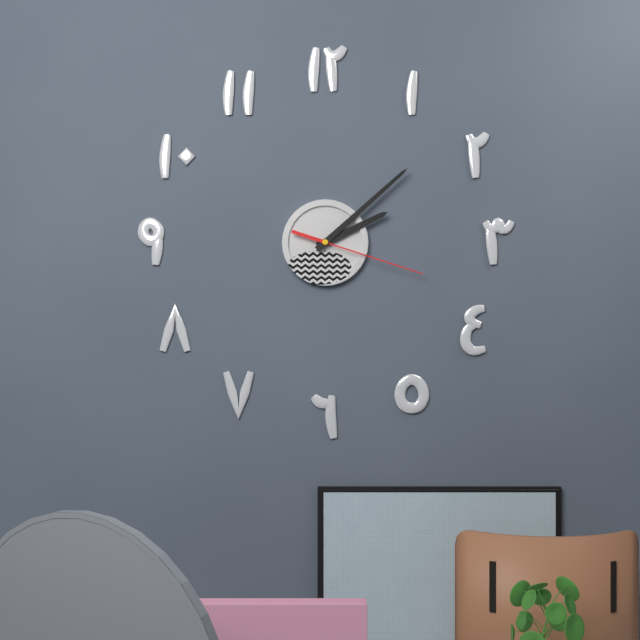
2h08m18s
